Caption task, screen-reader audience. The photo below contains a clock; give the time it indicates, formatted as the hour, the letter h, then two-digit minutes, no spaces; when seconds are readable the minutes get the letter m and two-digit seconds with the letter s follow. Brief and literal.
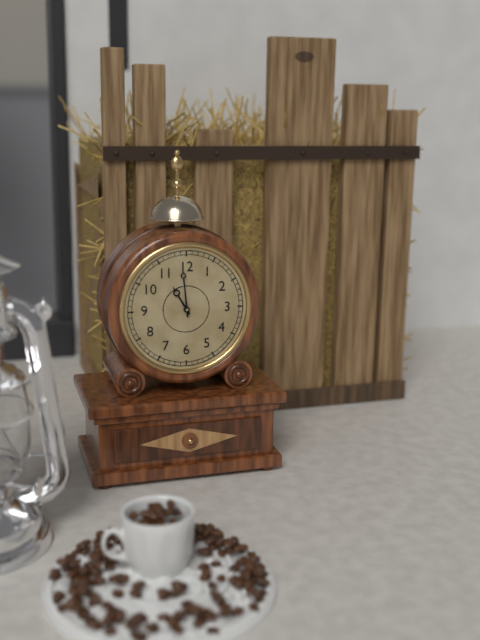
10h59
